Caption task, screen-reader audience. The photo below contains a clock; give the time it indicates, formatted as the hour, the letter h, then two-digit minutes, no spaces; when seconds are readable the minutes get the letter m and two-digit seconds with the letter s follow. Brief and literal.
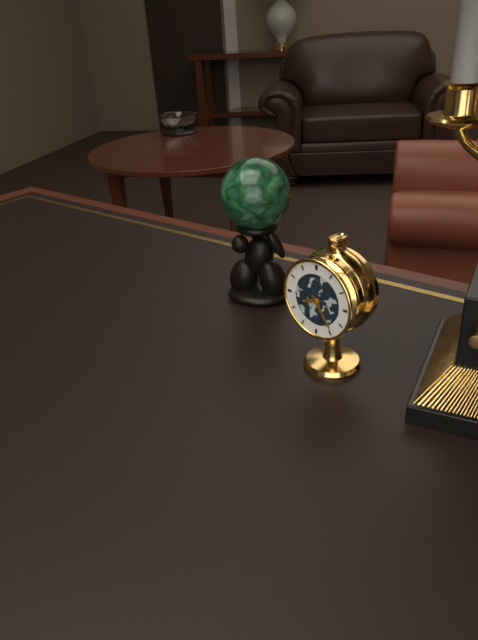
8h24
